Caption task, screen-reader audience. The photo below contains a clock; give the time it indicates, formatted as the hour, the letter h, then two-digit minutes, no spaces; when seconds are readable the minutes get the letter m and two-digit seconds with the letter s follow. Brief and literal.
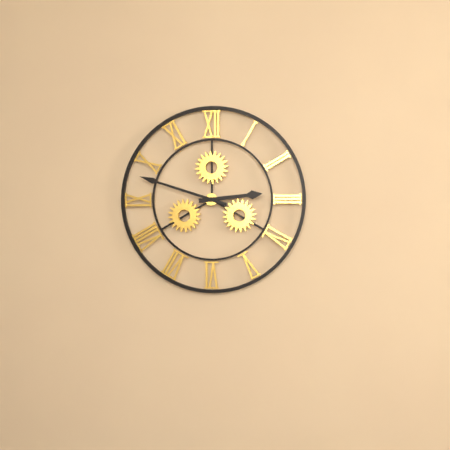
2h48
